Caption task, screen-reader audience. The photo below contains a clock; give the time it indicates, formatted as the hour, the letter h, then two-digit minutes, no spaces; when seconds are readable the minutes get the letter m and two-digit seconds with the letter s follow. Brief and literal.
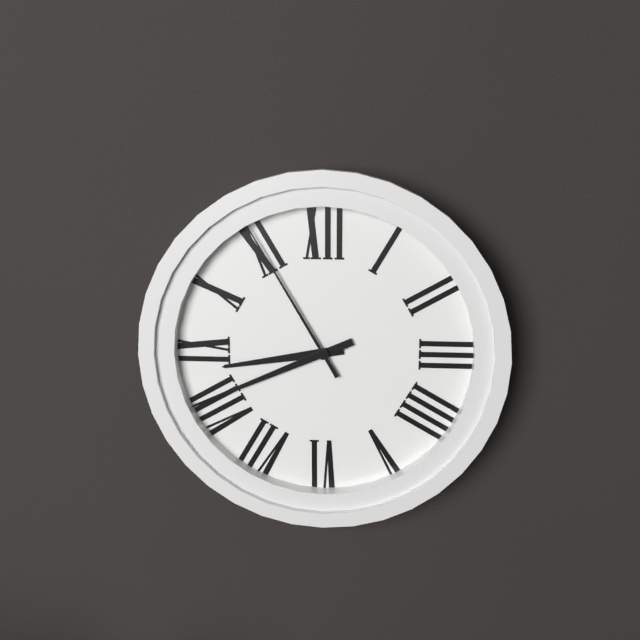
8h41m55s
